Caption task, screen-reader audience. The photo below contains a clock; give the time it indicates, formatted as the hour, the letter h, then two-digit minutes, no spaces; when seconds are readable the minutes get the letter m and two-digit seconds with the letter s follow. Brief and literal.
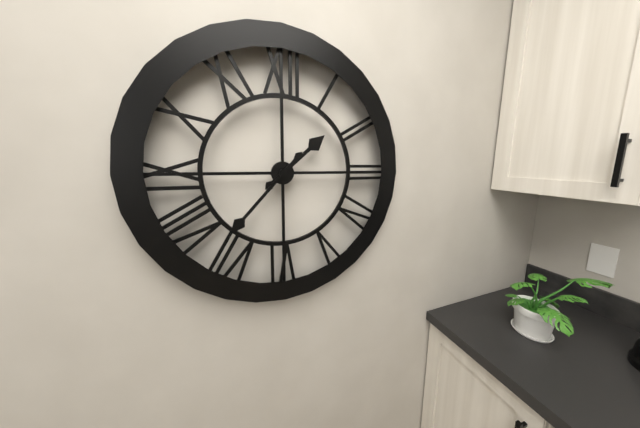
1h37
